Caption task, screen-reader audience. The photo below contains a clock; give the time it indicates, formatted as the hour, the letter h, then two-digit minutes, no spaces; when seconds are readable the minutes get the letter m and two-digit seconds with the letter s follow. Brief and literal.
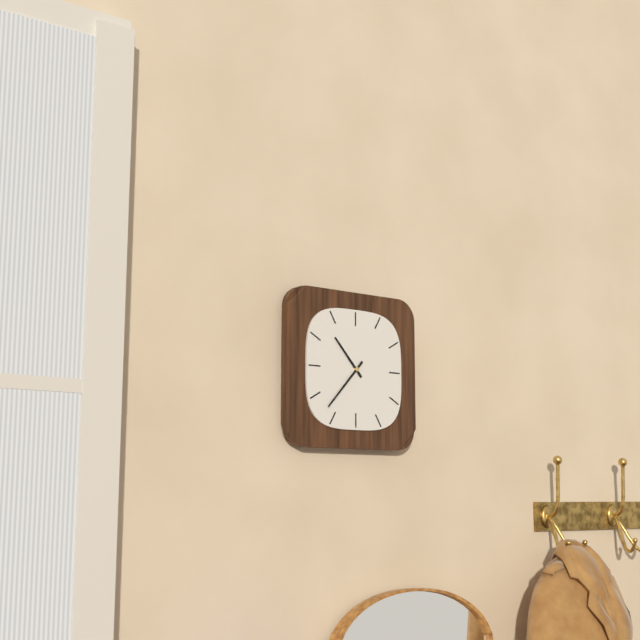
10h37
